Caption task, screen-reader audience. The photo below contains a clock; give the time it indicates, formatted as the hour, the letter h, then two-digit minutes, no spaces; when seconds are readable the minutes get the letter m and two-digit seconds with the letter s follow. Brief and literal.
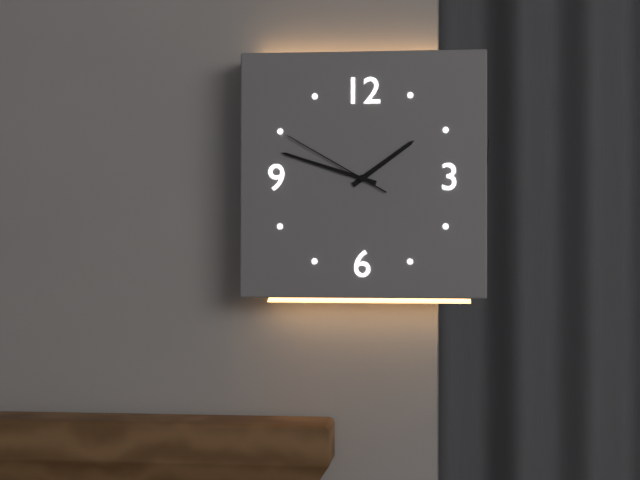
1h48m50s
